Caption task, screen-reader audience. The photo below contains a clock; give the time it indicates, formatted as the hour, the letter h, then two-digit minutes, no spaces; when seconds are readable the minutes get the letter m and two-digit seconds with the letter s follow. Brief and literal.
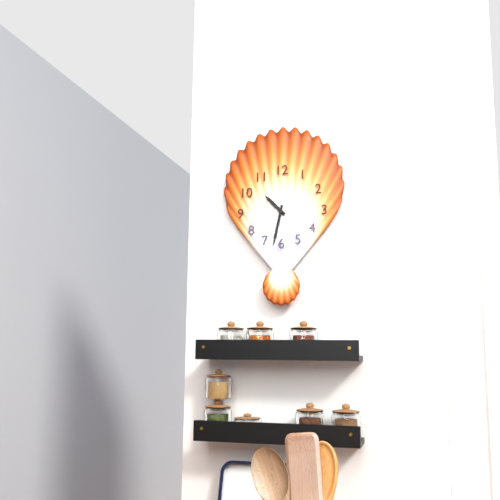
10h32
